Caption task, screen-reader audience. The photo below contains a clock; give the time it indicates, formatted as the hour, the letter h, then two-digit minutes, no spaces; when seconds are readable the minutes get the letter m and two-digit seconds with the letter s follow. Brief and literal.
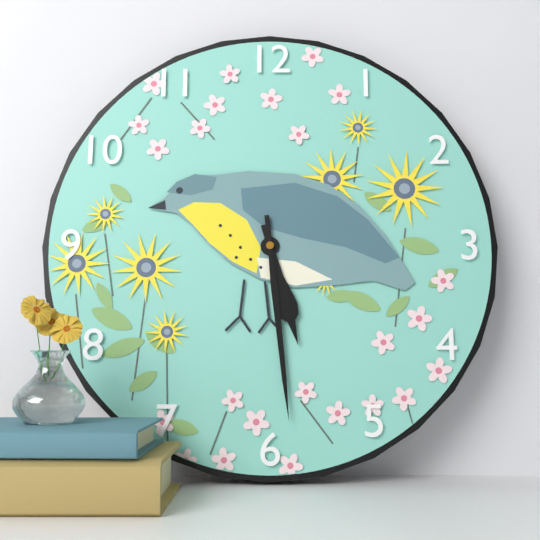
5h29
